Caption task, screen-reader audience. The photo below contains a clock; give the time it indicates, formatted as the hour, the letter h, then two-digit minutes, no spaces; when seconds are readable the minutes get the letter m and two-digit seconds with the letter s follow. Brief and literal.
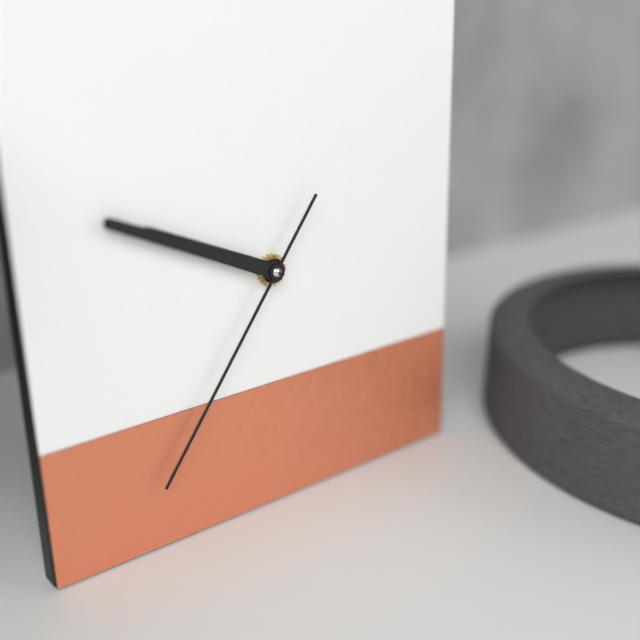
9h49m36s
